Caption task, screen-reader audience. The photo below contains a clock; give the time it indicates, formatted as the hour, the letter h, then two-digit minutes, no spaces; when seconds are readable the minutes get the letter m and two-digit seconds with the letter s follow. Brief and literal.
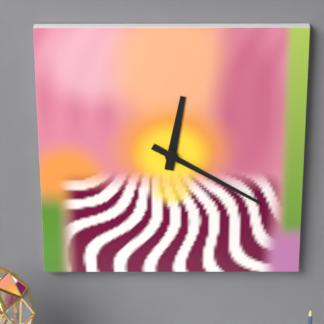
12h20
